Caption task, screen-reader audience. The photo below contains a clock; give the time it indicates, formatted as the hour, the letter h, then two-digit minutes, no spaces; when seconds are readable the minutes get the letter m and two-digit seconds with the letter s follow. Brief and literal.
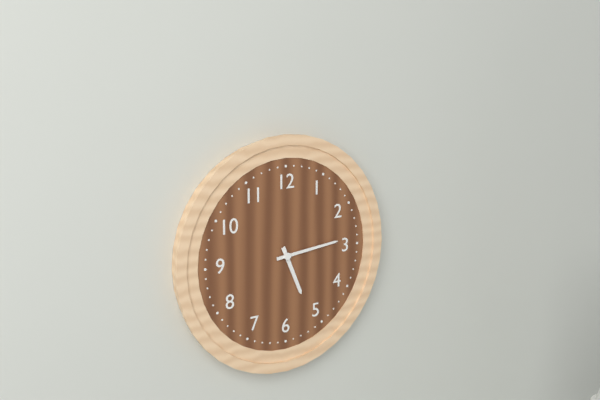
5h14
